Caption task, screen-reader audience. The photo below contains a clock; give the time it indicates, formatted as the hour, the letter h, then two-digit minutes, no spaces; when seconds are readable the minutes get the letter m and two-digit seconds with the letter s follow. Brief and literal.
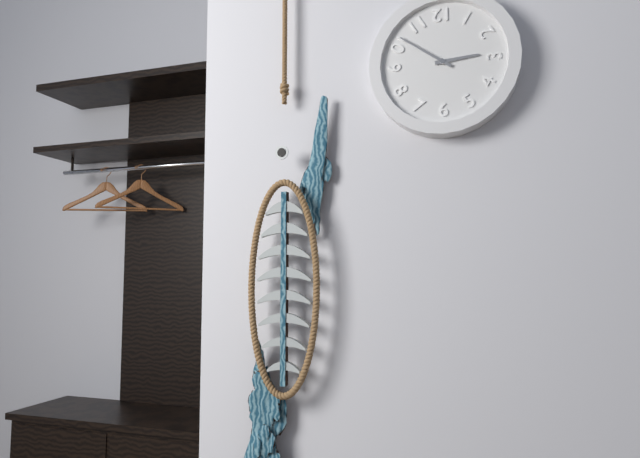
2h51
